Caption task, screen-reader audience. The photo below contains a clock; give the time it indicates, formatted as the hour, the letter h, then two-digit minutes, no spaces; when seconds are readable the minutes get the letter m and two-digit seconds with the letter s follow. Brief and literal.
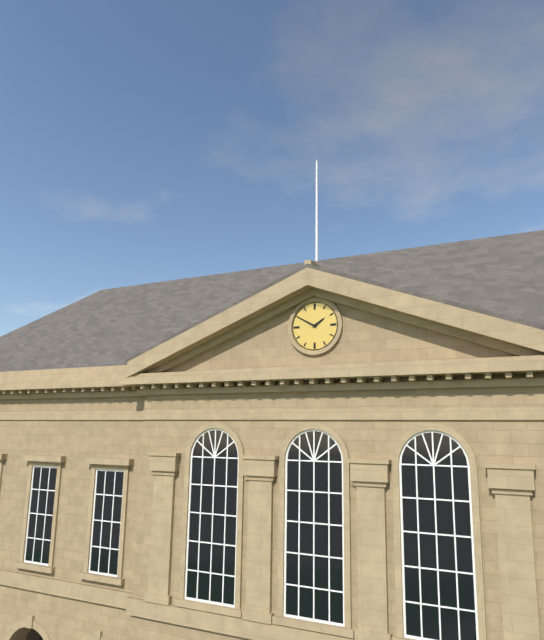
1h50
